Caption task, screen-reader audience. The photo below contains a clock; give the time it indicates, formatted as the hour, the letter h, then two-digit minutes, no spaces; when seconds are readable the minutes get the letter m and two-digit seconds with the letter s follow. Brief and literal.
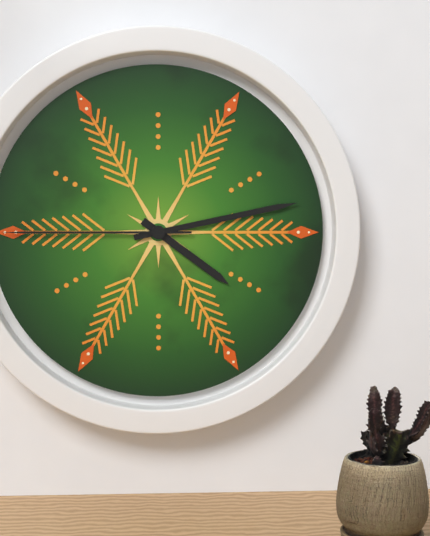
4h13m45s
